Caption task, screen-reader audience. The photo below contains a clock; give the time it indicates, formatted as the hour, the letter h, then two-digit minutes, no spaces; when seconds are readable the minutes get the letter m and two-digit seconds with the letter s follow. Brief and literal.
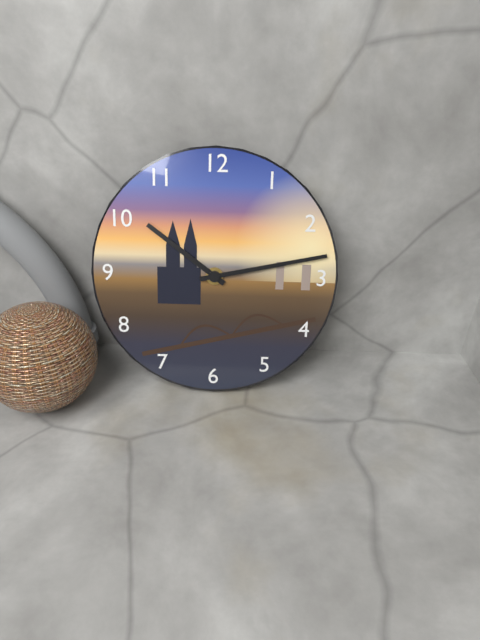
10h13
